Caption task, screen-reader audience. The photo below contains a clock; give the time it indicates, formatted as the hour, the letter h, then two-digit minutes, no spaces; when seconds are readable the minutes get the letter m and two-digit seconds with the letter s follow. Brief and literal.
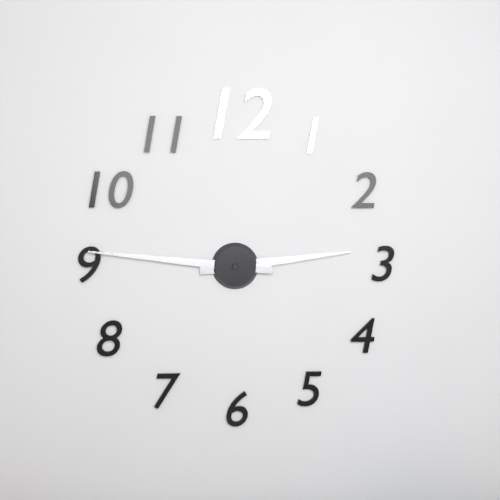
2h46
